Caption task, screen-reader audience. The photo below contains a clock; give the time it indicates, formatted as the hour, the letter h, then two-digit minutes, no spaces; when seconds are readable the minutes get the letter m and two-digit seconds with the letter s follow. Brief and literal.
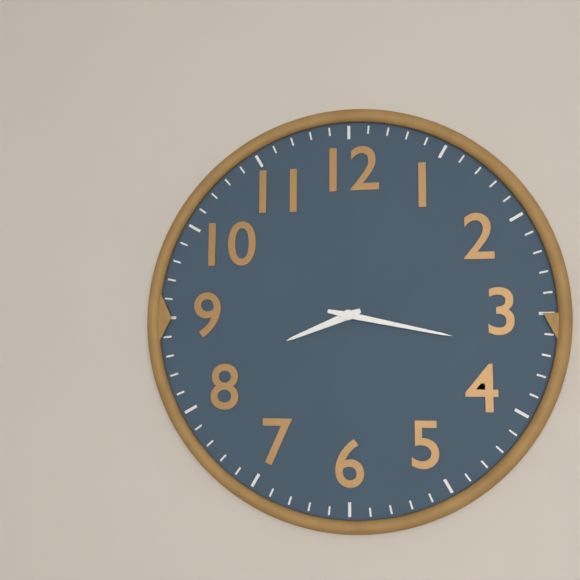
8h17
